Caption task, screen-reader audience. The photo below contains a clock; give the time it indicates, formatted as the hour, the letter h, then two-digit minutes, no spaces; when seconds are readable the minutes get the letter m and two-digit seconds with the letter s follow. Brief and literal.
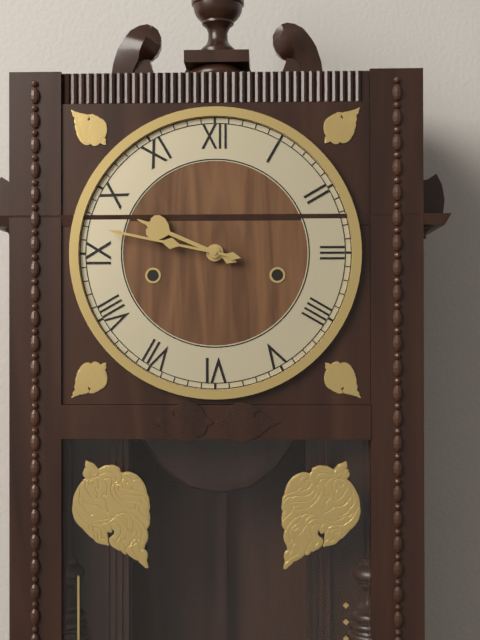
9h47
